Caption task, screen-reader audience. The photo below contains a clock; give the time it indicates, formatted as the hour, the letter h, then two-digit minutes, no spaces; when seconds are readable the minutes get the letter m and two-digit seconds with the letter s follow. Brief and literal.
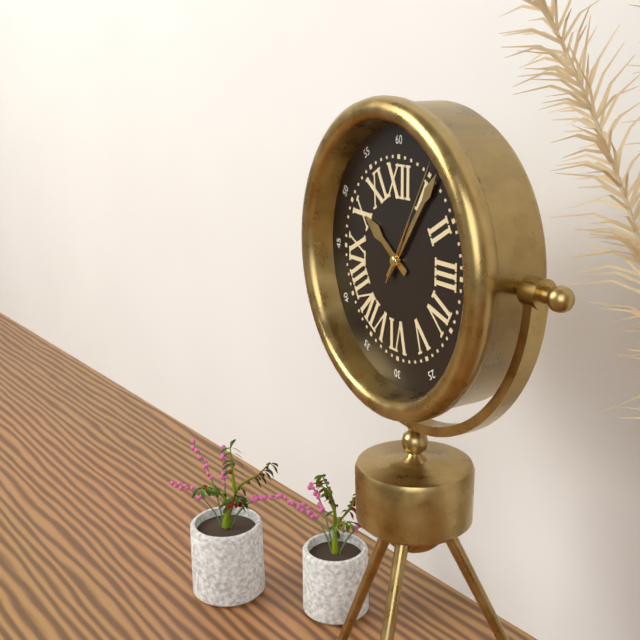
10h06m05s
